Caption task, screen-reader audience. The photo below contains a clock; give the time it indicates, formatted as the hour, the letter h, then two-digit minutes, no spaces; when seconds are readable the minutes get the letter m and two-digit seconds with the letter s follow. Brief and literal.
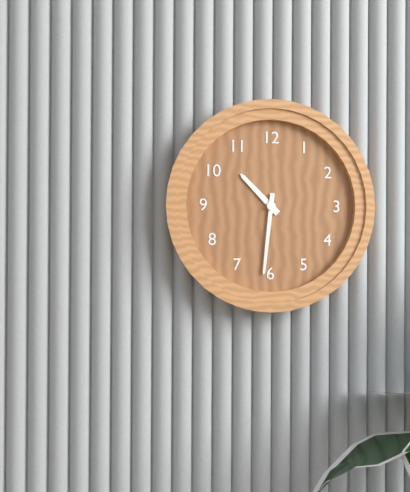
10h31
